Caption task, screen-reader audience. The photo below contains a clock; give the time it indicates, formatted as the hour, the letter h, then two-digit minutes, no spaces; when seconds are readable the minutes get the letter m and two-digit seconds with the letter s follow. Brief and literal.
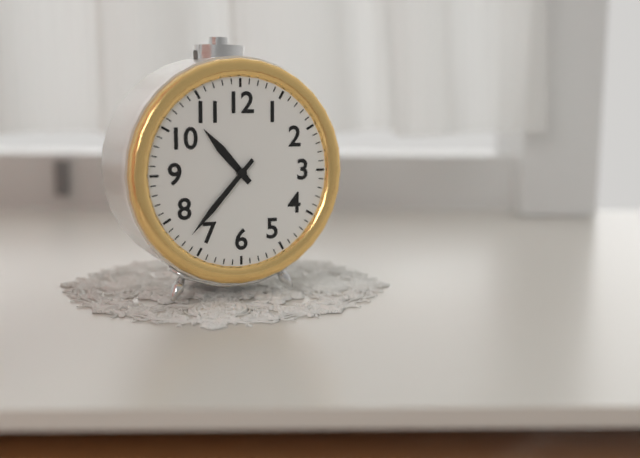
10h37
